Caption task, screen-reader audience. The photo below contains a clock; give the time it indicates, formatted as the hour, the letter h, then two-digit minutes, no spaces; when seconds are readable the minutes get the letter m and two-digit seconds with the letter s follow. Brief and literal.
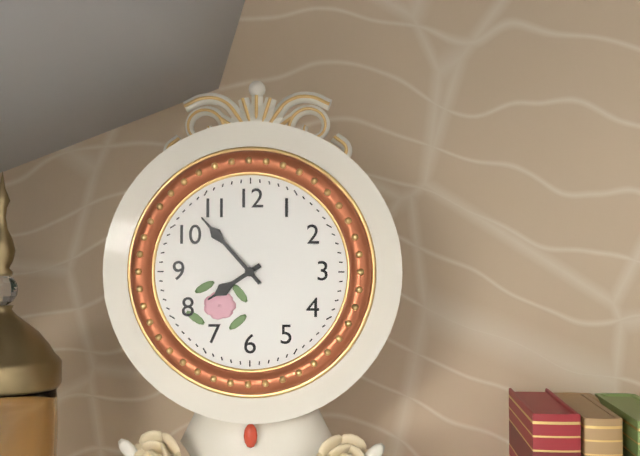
7h53
